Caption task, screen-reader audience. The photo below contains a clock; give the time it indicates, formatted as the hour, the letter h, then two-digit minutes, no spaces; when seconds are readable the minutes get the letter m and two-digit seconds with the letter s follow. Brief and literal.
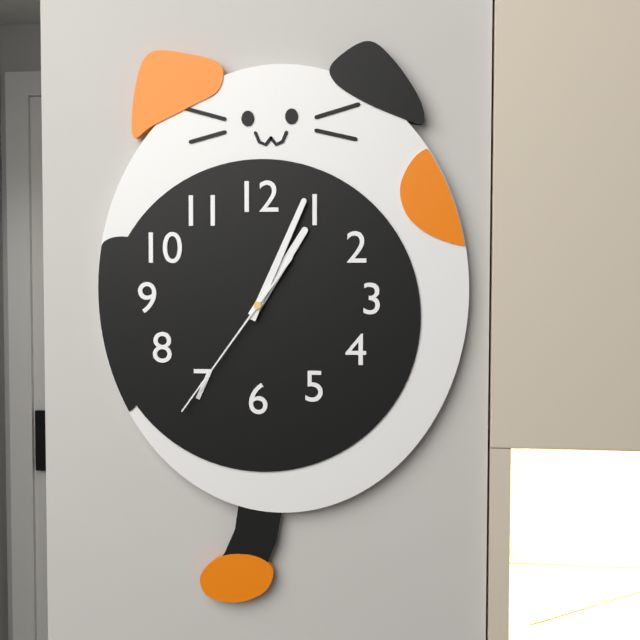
1h04m36s
